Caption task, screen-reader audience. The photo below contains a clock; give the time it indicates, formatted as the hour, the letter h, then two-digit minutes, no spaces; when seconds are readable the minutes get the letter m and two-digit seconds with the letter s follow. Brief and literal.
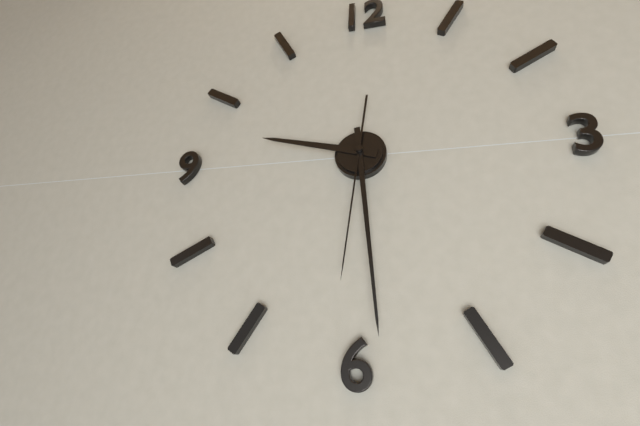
9h29m31s
